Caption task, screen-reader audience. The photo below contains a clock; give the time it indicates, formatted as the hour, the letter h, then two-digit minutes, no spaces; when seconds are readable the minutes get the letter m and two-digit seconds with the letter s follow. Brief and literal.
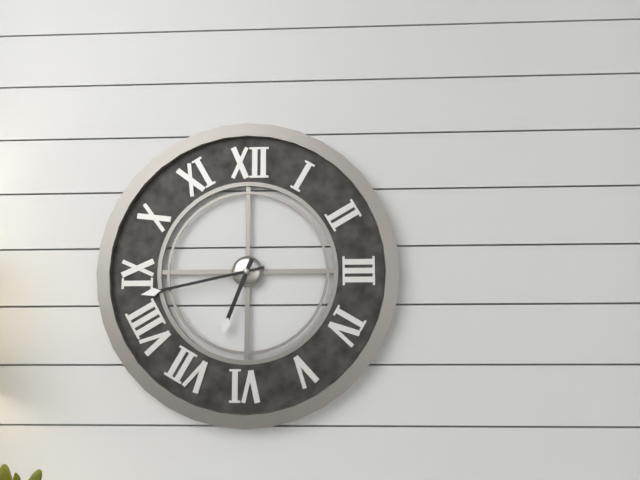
6h43
